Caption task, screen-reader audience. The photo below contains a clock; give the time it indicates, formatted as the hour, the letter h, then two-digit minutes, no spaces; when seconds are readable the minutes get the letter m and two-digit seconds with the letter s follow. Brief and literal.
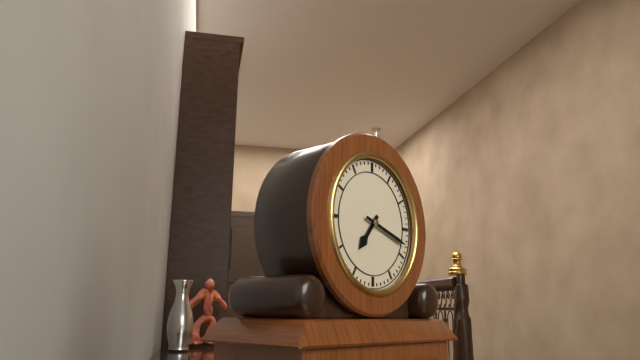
7h18
